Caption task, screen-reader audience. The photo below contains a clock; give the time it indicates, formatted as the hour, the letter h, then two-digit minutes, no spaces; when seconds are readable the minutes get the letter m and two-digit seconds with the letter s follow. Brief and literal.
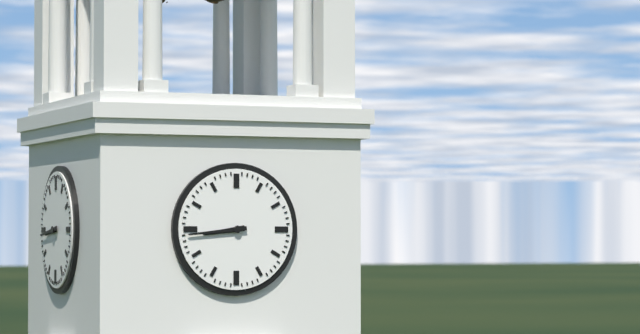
8h44
